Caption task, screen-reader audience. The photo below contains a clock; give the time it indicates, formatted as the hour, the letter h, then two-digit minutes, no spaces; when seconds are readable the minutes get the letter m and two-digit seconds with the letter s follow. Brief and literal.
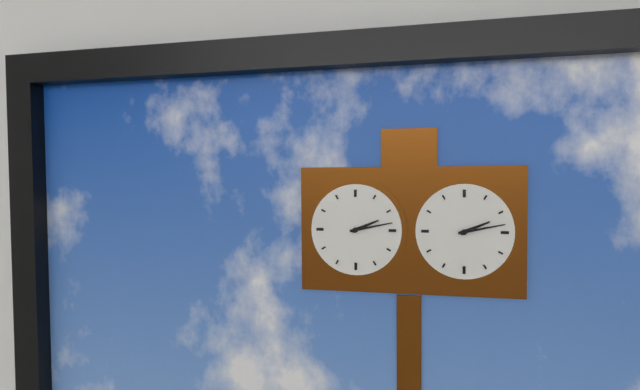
2h13
